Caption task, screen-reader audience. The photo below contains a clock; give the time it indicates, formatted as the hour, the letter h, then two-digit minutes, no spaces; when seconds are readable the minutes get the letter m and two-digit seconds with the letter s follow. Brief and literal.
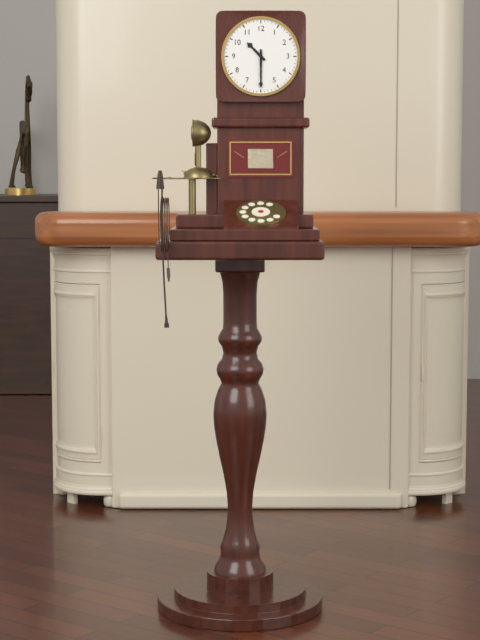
10h30
